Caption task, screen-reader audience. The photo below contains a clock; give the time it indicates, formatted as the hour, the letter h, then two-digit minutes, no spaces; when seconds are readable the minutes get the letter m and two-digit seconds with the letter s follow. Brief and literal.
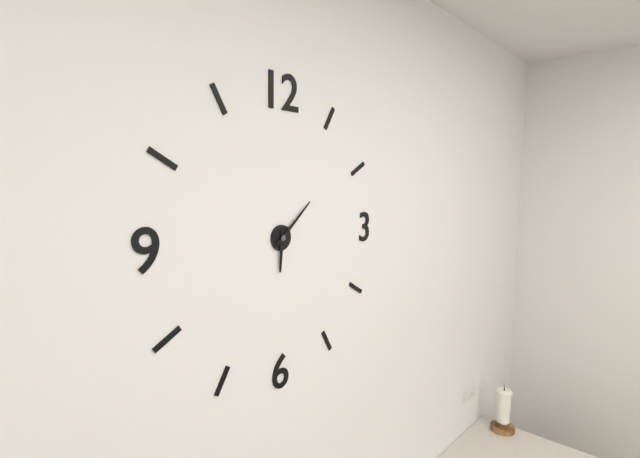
6h08
